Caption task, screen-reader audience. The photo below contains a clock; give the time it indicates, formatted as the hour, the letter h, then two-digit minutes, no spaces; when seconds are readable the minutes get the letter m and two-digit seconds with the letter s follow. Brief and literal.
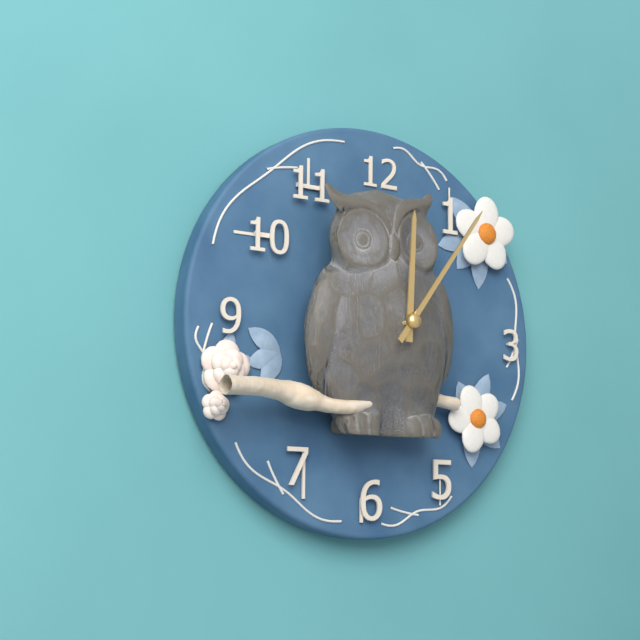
12h06
